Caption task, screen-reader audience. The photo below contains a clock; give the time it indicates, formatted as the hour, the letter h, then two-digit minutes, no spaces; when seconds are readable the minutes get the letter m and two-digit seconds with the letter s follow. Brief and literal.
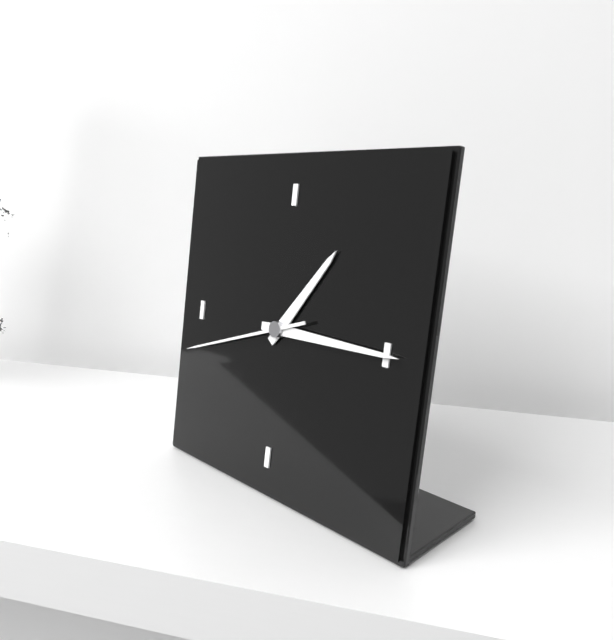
1h15m42s
